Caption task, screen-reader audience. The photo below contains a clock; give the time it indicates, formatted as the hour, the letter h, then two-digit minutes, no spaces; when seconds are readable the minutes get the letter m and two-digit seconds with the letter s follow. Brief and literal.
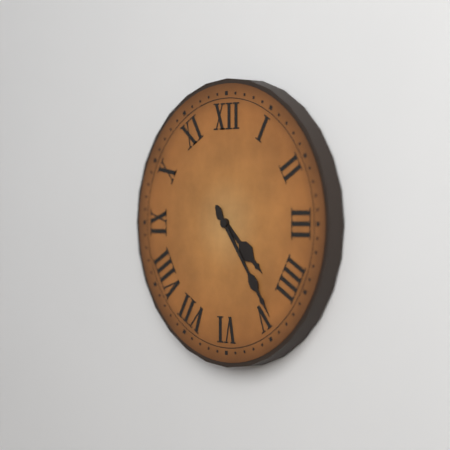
4h24
